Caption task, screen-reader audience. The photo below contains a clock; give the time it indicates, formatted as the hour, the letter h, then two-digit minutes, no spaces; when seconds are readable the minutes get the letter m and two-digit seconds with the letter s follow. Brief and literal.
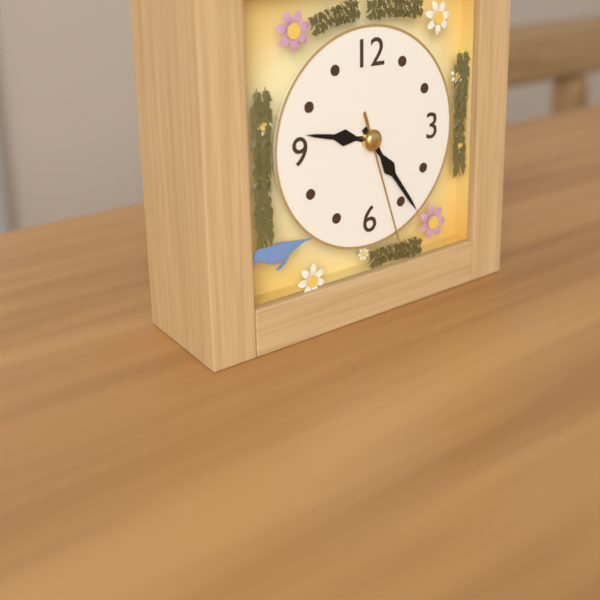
9h24m27s
